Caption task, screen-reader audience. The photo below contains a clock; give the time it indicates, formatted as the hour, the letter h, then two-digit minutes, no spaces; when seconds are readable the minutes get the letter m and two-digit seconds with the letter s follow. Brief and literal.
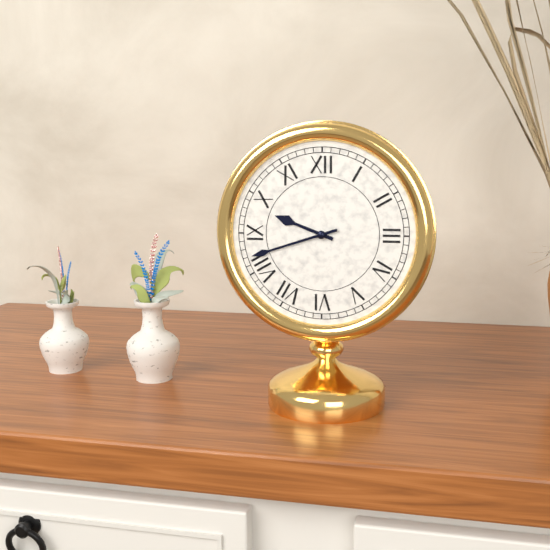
9h42
